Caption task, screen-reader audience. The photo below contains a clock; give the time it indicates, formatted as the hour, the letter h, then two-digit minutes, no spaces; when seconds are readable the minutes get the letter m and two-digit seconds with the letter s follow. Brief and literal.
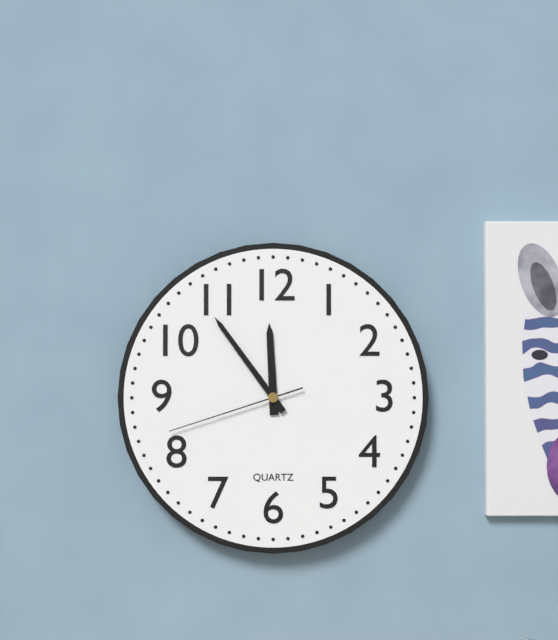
11h54m42s
